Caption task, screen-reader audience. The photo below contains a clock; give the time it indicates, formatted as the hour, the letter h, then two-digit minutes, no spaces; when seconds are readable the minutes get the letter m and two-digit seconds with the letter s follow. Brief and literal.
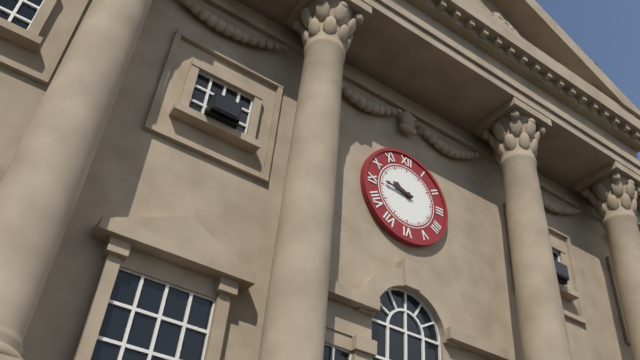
9h46
